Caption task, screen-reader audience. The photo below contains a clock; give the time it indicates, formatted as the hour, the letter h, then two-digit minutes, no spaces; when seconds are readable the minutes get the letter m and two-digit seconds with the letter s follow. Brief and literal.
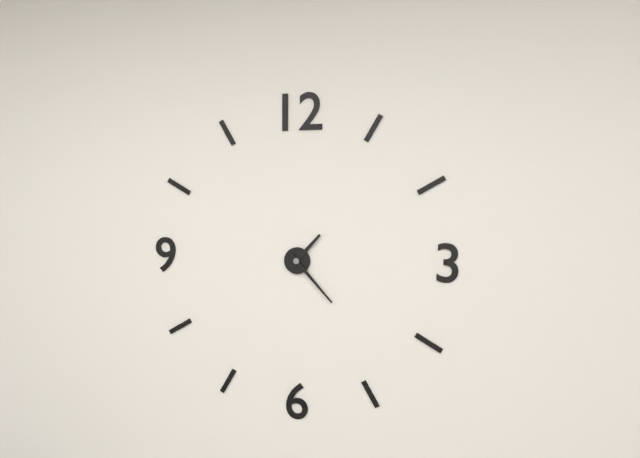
1h23
